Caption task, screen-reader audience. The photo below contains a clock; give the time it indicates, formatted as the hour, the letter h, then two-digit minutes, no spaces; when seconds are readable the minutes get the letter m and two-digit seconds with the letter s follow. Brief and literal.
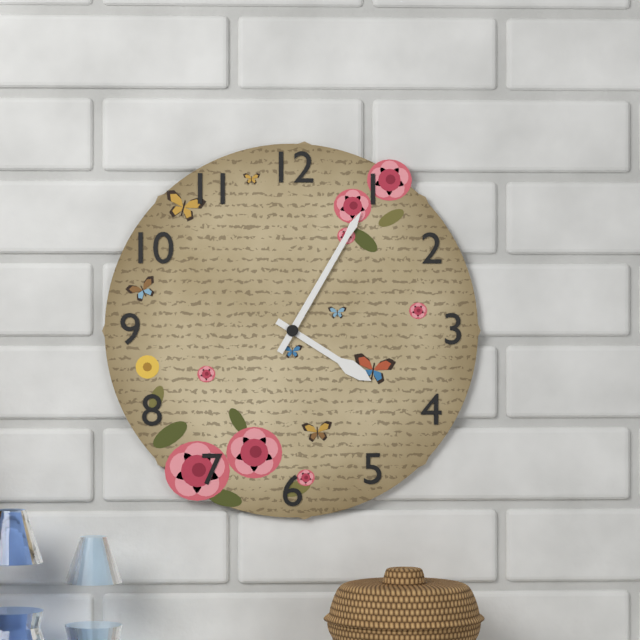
4h05
